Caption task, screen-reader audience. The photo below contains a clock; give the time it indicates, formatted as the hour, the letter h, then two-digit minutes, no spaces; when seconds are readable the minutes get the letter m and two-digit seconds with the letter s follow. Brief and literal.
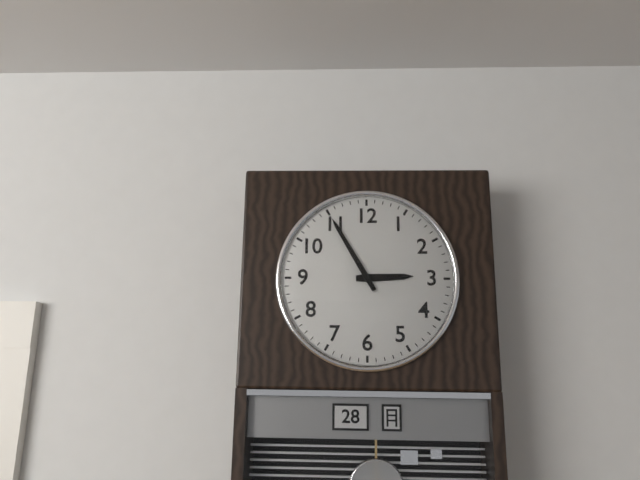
2h55
